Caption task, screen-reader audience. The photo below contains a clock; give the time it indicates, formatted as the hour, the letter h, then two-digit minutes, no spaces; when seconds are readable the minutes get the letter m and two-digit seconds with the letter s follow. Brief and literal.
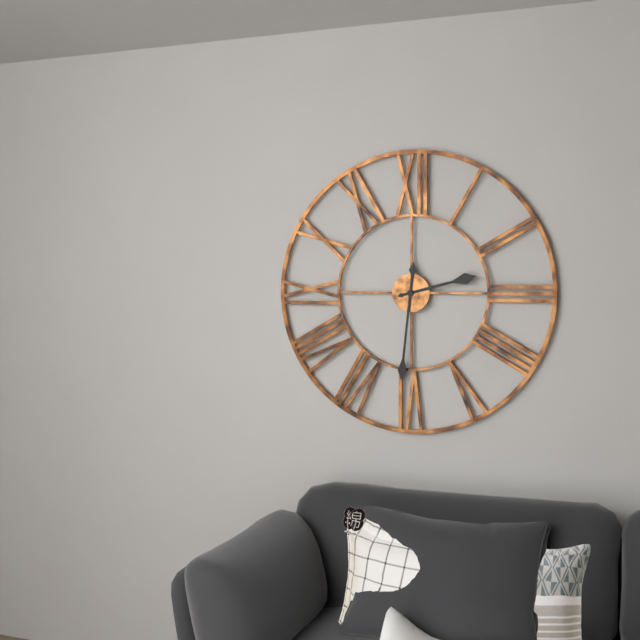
2h31
